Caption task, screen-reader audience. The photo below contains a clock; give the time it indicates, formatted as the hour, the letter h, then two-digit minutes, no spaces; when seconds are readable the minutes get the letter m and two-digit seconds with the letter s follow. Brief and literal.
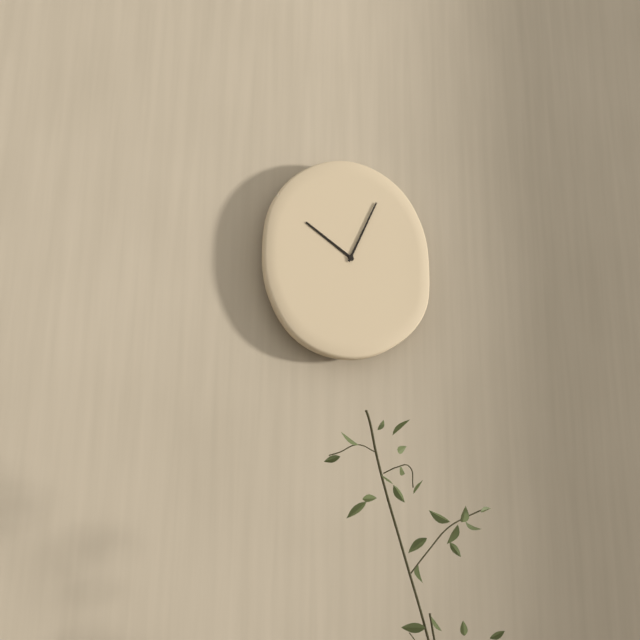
10h04
